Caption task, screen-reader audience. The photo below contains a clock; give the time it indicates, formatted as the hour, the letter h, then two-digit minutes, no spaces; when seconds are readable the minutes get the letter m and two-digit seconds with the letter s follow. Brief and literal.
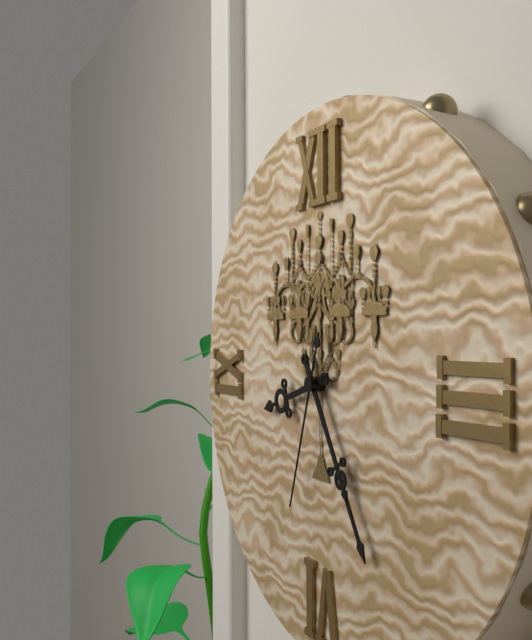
8h25m33s
